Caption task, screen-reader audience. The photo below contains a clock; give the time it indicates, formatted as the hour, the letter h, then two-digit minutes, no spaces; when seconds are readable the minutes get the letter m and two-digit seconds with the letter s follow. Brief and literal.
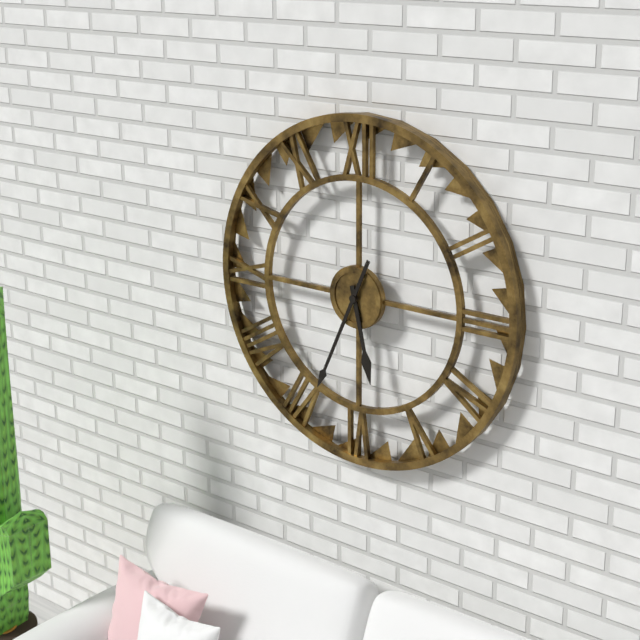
5h34
